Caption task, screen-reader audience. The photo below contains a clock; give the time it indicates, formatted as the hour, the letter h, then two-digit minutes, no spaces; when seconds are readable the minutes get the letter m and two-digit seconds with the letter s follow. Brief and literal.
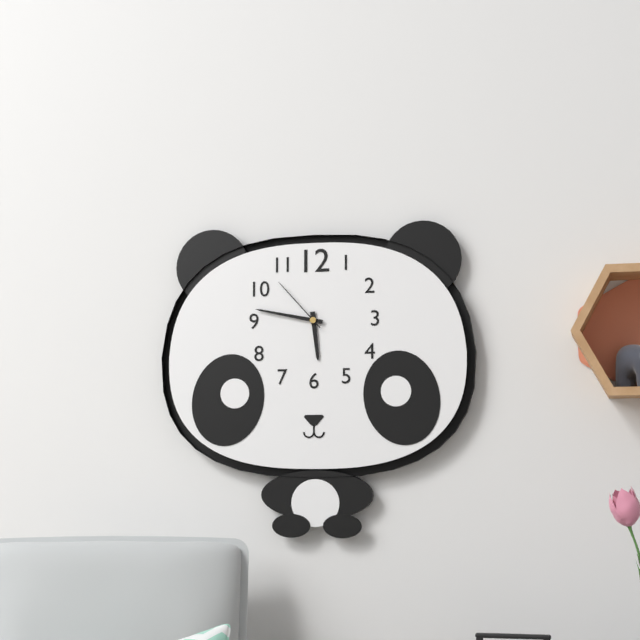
5h47m53s
